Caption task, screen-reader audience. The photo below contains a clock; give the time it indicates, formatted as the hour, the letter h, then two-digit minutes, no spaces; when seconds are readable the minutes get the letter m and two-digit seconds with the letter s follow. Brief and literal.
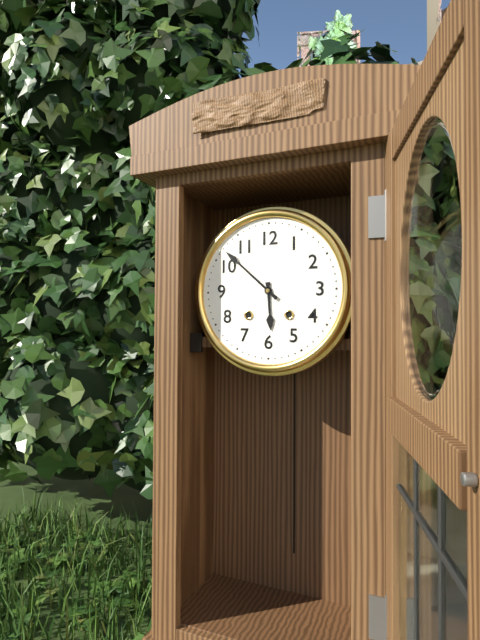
5h52
